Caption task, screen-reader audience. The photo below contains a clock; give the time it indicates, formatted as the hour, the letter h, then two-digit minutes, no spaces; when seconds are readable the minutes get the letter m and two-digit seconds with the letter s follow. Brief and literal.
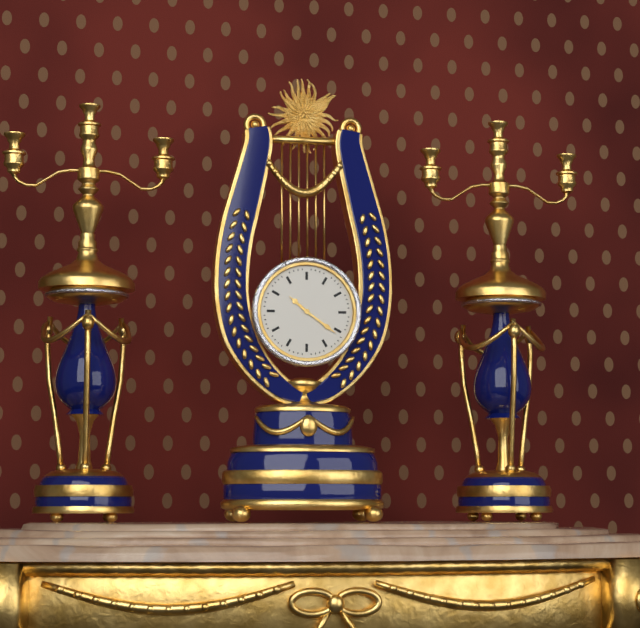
10h21
